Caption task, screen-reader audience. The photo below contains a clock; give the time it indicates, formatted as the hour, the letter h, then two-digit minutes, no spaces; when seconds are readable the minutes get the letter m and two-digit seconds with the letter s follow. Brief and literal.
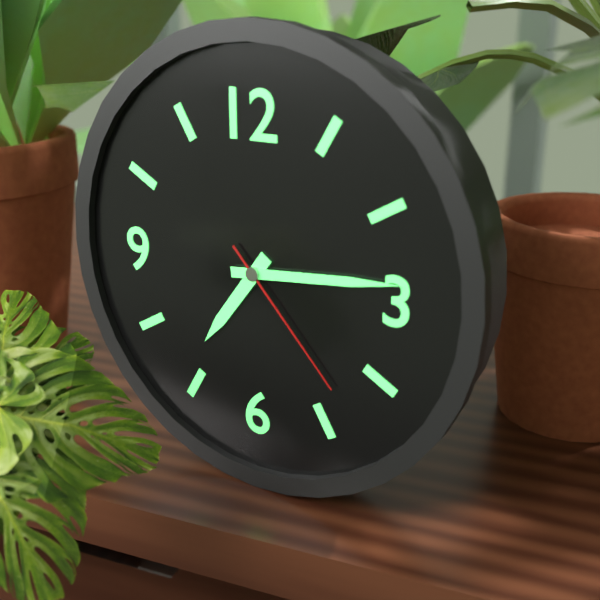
7h14m23s
